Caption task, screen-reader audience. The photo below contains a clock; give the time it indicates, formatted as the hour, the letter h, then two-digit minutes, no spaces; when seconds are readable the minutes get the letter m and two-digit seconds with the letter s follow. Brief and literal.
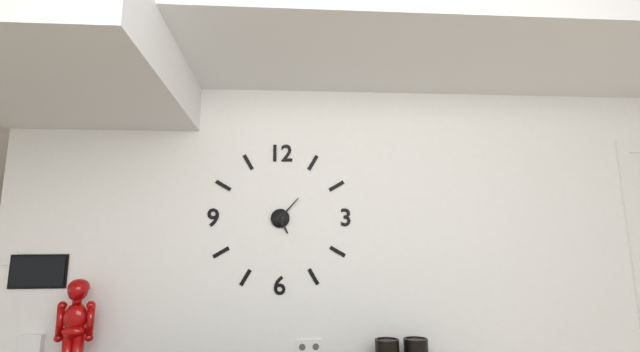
5h07
